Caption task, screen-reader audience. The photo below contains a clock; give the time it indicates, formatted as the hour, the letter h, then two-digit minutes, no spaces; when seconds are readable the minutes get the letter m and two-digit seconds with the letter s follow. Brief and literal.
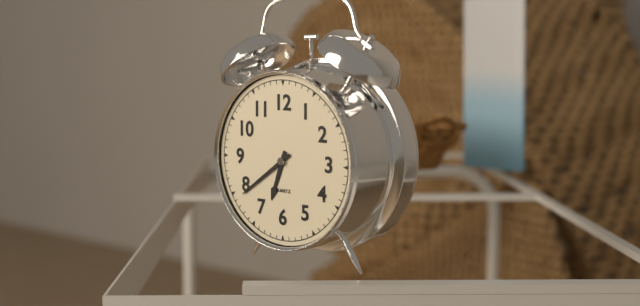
6h39
